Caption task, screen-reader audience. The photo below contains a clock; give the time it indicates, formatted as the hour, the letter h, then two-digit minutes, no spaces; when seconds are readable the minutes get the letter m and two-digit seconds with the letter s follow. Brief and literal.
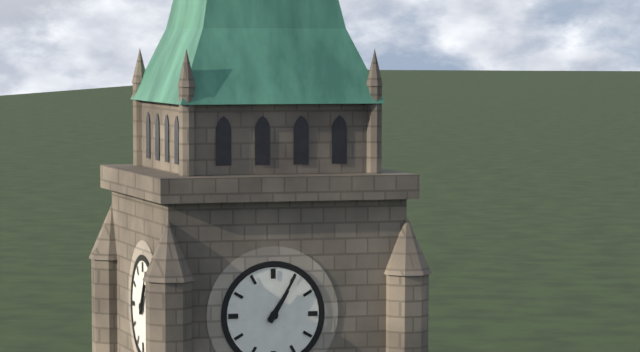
1h05
